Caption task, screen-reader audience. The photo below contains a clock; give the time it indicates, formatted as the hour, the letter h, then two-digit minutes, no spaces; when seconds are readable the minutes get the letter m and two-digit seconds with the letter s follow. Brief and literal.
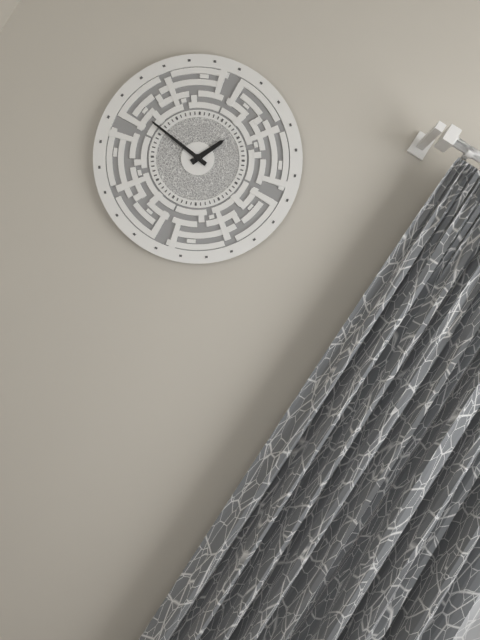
12h46
